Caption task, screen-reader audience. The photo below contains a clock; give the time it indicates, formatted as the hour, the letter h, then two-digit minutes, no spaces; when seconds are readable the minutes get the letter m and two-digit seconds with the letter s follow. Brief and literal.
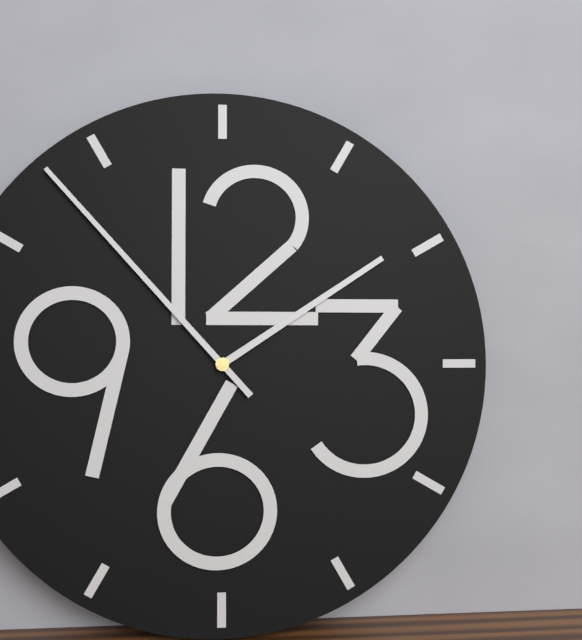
1h53
